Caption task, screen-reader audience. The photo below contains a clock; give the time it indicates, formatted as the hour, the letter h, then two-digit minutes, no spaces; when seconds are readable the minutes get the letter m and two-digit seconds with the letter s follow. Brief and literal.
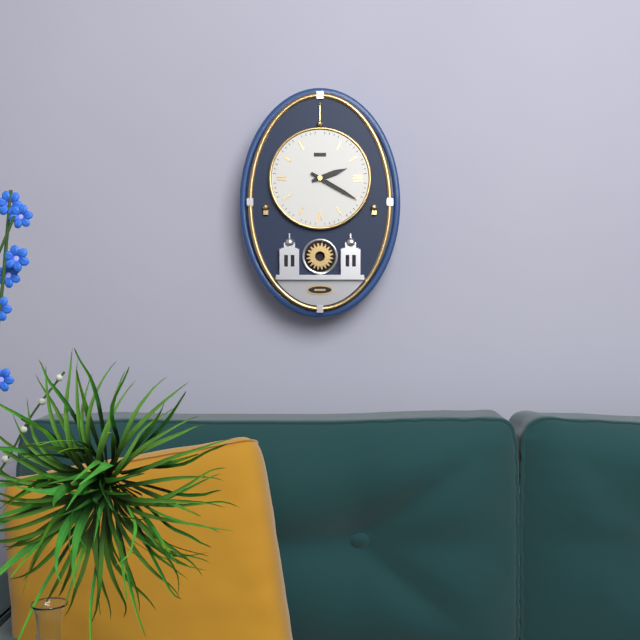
2h20
